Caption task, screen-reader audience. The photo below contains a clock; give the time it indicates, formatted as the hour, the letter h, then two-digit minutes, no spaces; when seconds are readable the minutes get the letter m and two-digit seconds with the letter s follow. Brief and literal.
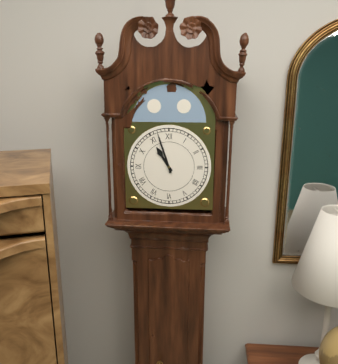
10h57
